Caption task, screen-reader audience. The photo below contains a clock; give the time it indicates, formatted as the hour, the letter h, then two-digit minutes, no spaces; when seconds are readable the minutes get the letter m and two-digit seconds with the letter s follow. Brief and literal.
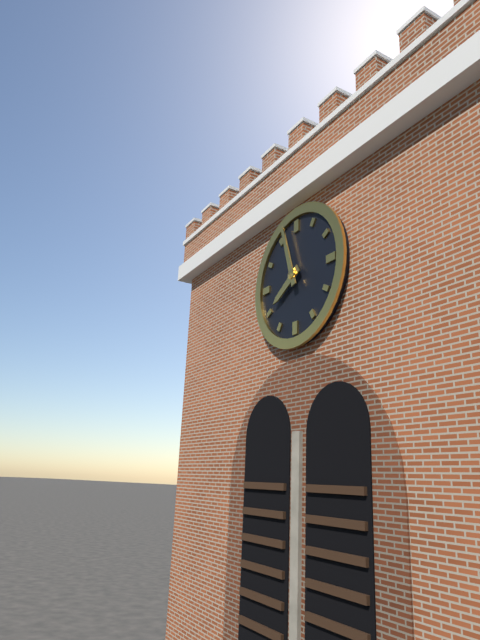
7h57
